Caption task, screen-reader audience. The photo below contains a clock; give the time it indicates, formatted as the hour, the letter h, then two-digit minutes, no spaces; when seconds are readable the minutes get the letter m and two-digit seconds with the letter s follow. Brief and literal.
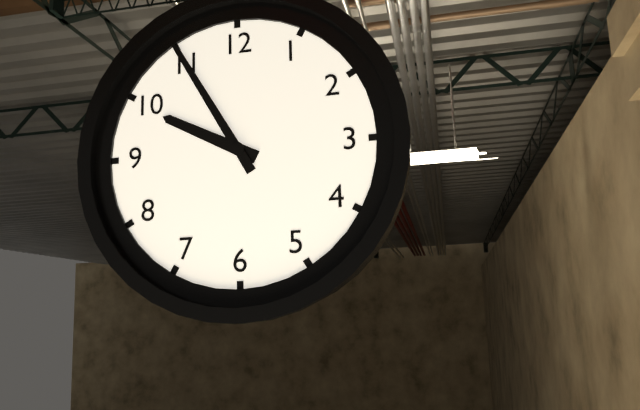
9h55
